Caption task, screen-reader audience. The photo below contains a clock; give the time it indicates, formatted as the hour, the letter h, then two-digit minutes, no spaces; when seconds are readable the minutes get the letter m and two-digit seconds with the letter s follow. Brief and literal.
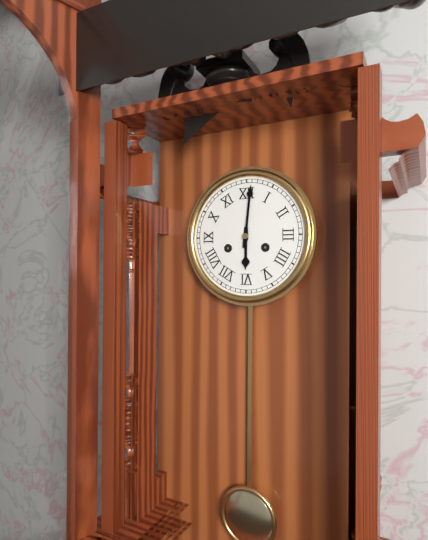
6h01
